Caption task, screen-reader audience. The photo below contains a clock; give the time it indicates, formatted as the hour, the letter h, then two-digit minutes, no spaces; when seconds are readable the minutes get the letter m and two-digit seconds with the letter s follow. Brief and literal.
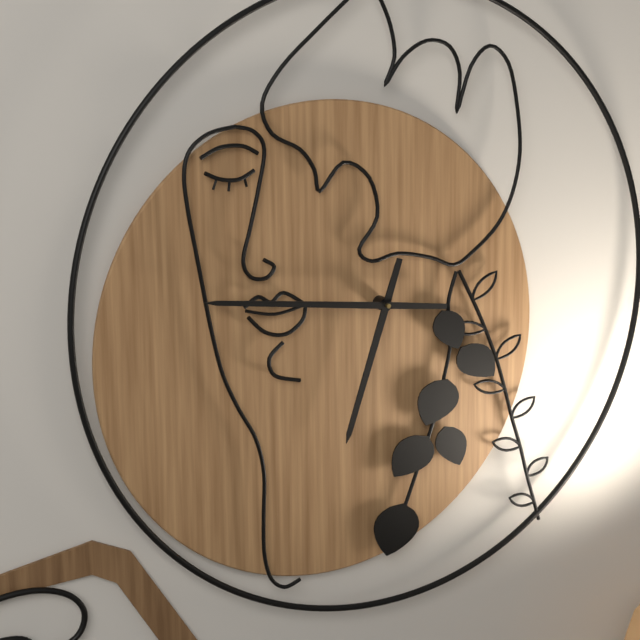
6h47
